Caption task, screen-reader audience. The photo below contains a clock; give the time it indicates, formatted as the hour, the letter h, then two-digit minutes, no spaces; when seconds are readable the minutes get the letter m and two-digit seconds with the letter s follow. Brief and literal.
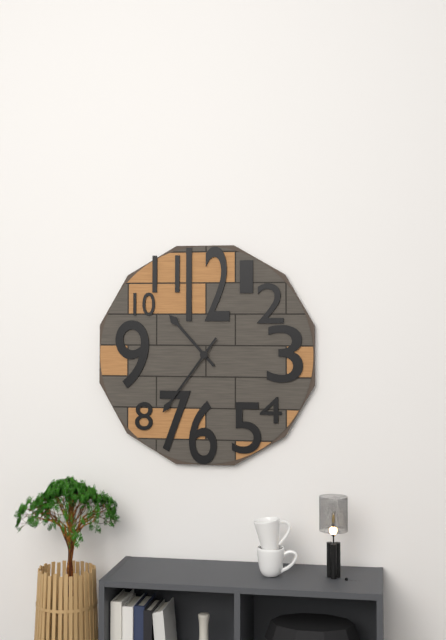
10h36
